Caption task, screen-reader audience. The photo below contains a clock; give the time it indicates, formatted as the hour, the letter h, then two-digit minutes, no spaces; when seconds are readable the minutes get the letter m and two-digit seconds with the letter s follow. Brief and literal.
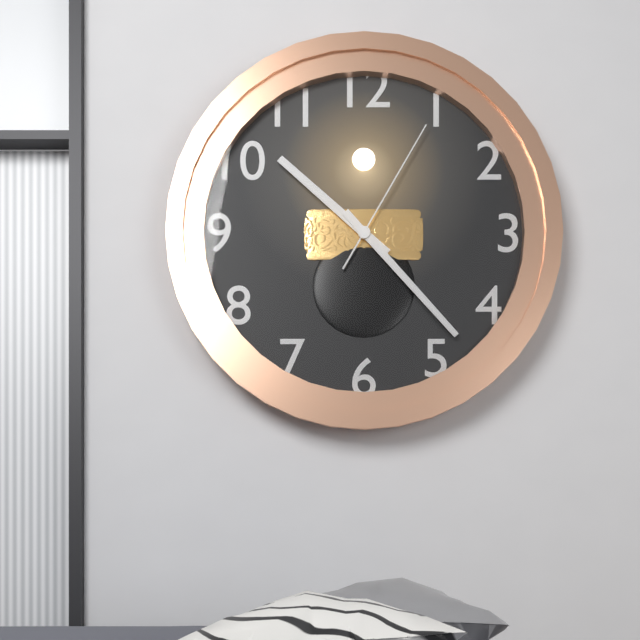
10h23m05s
